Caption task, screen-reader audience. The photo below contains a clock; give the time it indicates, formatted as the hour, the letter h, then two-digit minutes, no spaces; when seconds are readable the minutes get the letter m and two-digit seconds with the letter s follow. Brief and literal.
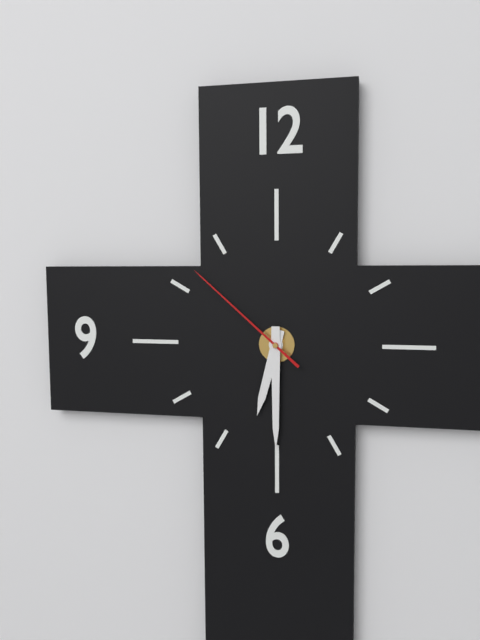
6h30m52s
